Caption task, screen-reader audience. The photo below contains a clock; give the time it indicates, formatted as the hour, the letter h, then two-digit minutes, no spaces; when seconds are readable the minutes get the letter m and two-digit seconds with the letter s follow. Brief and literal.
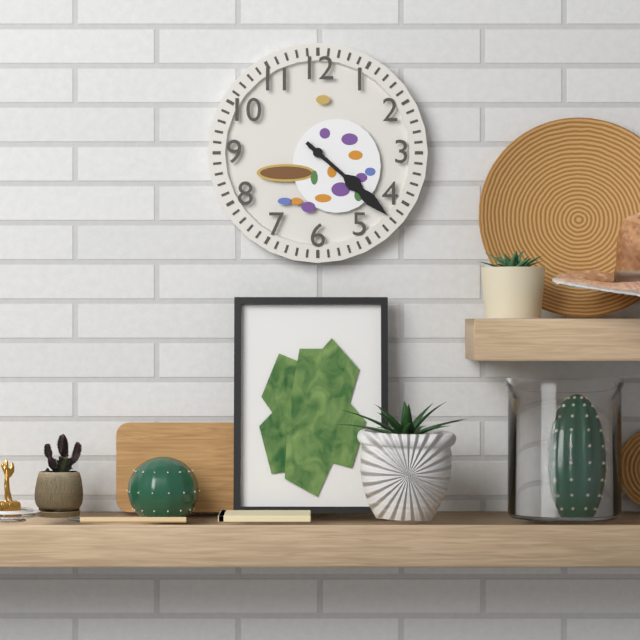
4h22
